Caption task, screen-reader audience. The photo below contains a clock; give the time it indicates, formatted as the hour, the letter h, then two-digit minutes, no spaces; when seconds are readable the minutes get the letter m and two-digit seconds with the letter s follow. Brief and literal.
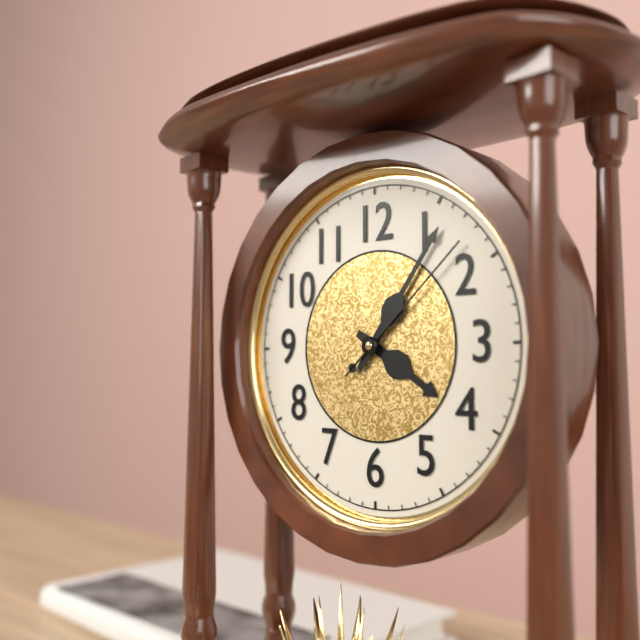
4h06m08s
